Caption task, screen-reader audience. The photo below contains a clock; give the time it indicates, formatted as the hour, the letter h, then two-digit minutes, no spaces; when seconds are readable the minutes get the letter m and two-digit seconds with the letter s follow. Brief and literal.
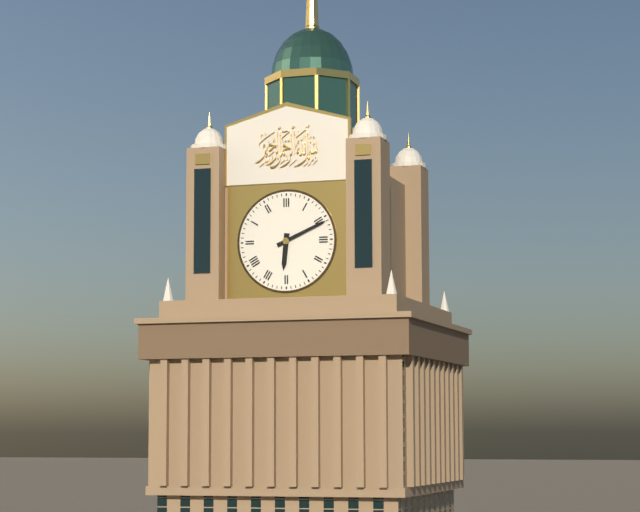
6h11
